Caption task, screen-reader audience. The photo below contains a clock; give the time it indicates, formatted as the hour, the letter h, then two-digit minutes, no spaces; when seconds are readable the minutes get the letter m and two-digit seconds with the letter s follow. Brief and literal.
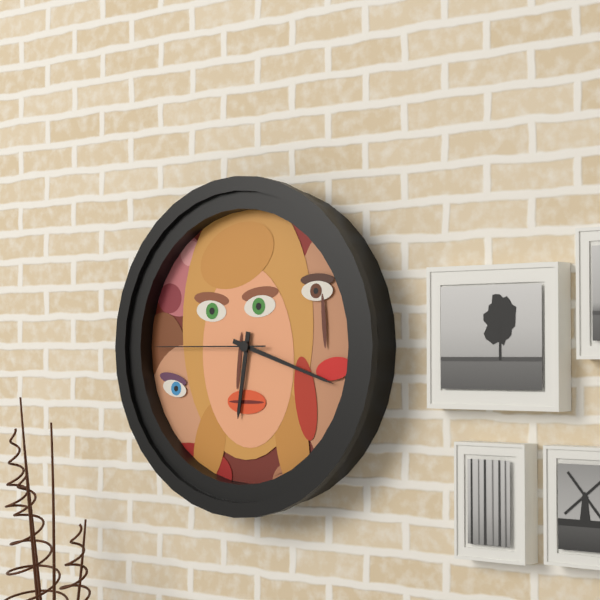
6h18m45s
